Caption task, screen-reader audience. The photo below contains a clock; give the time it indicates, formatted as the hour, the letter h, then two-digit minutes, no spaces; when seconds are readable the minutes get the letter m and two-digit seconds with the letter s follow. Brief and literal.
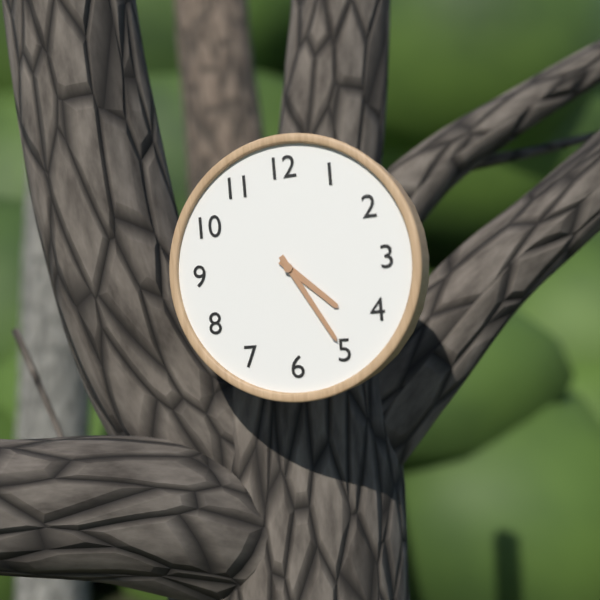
4h25
